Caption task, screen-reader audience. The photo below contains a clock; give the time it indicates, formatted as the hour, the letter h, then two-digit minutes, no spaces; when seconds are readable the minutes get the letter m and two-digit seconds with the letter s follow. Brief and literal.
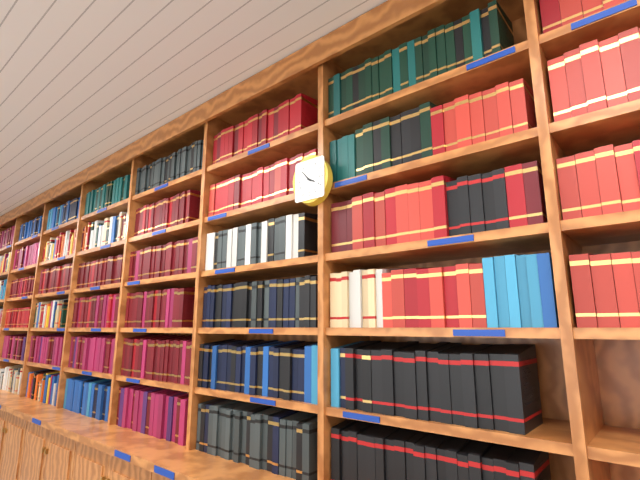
3h53
